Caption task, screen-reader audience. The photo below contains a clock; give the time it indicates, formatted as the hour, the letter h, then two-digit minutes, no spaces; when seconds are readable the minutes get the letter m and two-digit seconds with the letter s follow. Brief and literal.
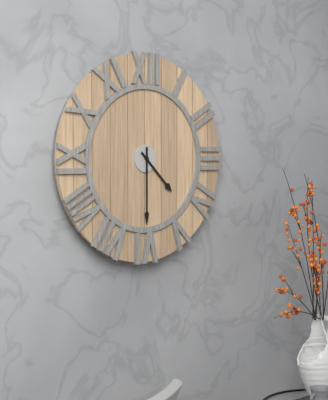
4h30
